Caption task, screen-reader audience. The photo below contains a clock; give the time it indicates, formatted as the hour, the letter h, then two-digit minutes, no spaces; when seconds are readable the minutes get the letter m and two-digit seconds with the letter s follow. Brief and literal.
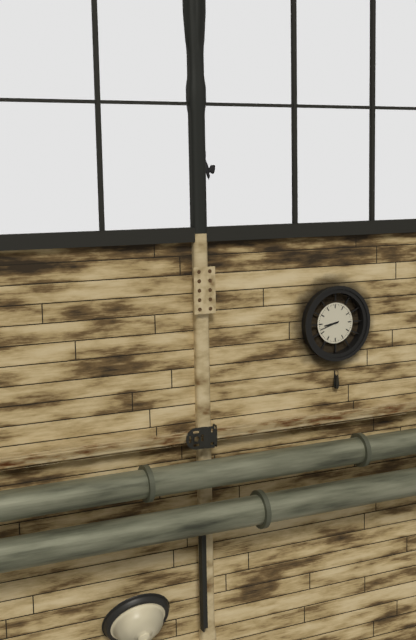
8h42
